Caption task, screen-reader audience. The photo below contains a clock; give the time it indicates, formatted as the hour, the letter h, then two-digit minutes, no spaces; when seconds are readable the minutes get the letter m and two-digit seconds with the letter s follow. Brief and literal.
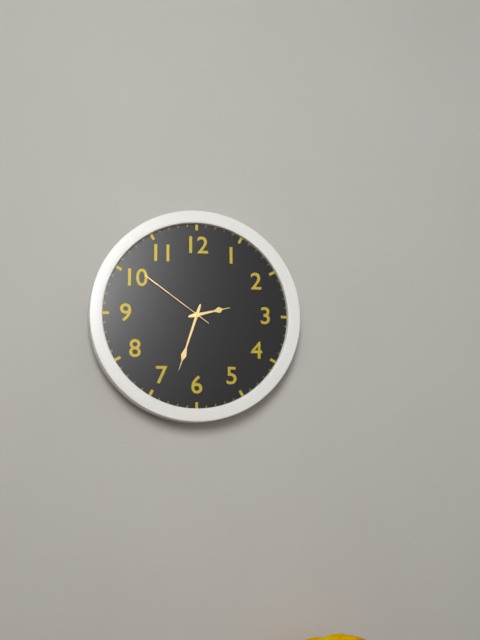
2h33m51s
